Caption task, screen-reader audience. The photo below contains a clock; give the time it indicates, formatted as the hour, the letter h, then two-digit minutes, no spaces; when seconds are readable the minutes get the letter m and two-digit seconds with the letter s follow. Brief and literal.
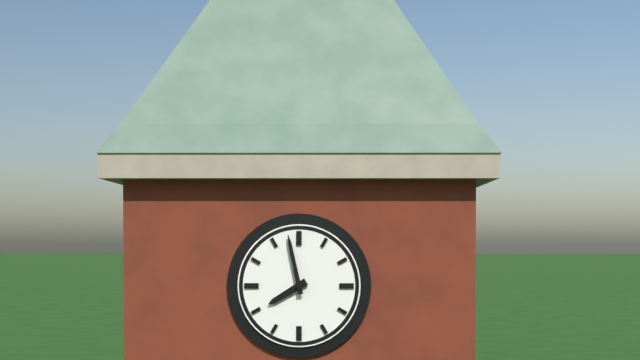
7h58
